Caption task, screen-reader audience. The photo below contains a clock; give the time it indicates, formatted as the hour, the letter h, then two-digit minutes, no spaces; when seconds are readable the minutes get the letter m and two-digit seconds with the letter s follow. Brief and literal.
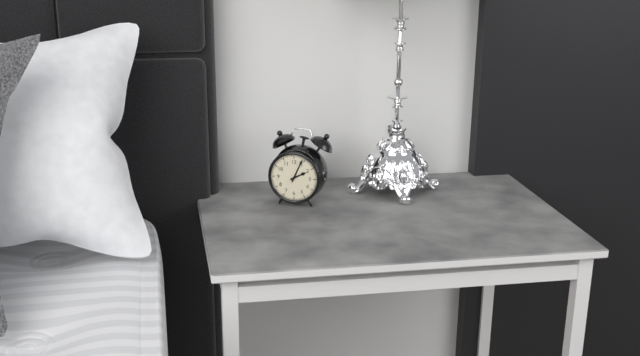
2h04
